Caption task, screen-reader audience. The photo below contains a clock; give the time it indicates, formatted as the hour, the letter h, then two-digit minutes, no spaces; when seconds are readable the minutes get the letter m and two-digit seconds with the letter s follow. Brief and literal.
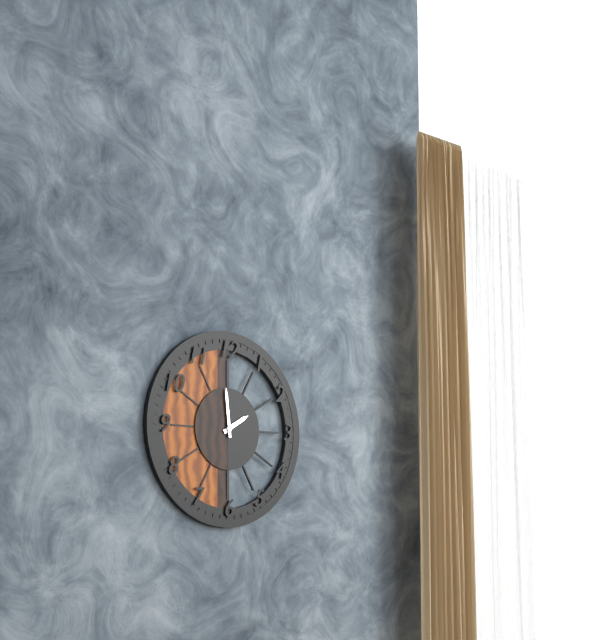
1h59
